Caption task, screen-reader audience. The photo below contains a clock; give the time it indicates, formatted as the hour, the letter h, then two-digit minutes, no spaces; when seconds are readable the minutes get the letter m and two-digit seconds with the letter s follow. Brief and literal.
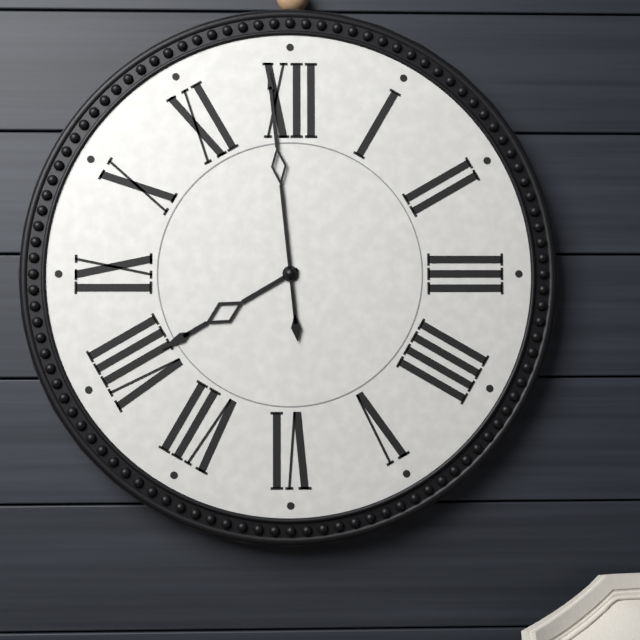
7h59
